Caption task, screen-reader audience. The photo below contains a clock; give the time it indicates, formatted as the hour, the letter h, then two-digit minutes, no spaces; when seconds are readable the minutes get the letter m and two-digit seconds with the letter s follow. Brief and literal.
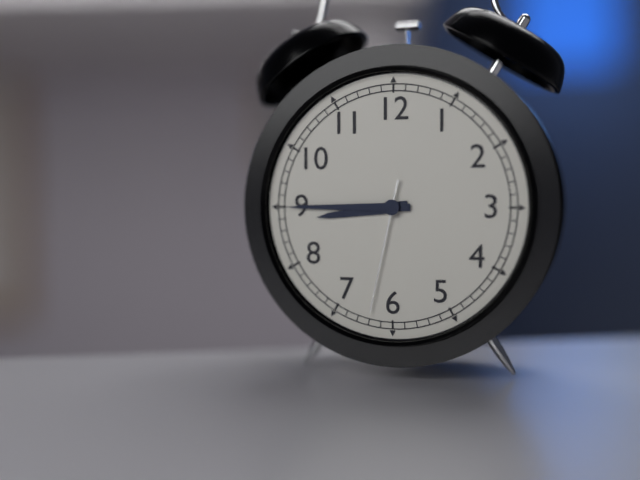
8h45m32s
